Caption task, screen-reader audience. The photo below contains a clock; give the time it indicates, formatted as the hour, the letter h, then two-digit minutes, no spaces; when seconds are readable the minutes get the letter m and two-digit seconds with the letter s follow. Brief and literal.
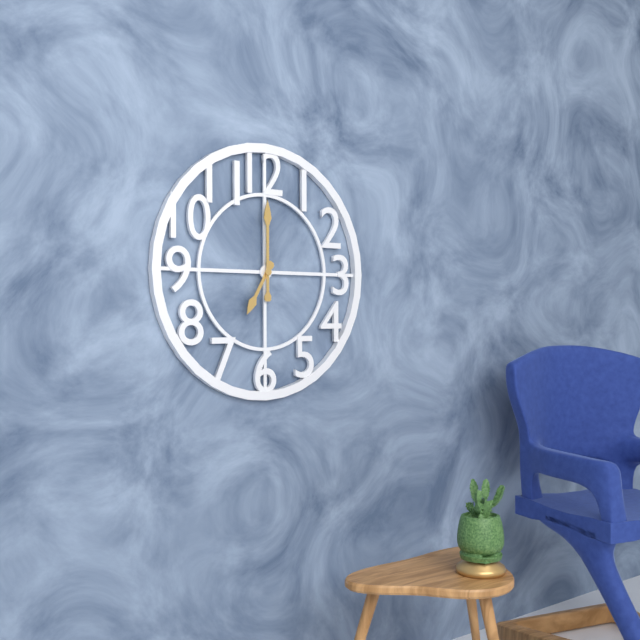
7h00
